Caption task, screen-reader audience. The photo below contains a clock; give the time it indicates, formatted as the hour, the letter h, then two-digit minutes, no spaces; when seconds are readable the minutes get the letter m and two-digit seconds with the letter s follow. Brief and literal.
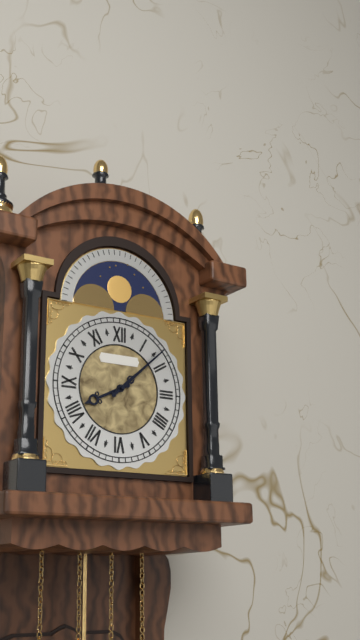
8h08
